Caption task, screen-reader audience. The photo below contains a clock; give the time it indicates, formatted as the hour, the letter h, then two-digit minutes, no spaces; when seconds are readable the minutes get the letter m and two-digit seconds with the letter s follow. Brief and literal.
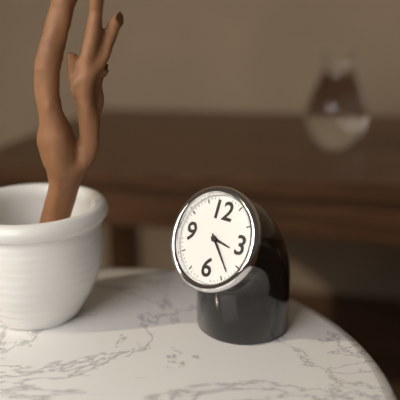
3h23
